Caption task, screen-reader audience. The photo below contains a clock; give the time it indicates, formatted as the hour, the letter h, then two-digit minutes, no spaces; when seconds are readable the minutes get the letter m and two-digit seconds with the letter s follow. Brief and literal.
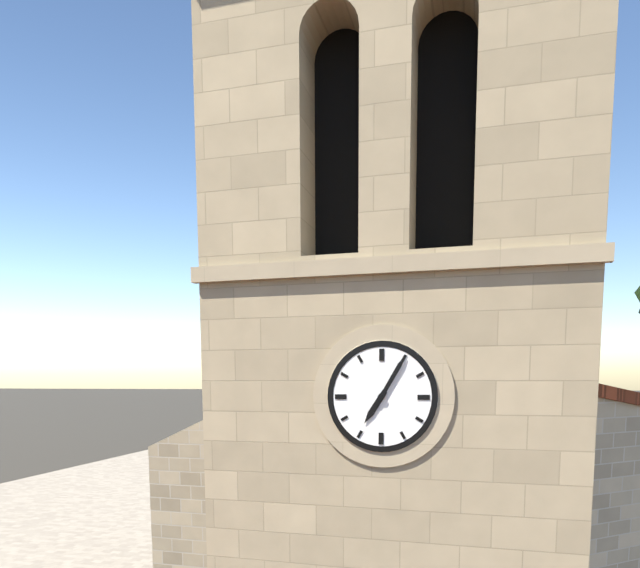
7h05
